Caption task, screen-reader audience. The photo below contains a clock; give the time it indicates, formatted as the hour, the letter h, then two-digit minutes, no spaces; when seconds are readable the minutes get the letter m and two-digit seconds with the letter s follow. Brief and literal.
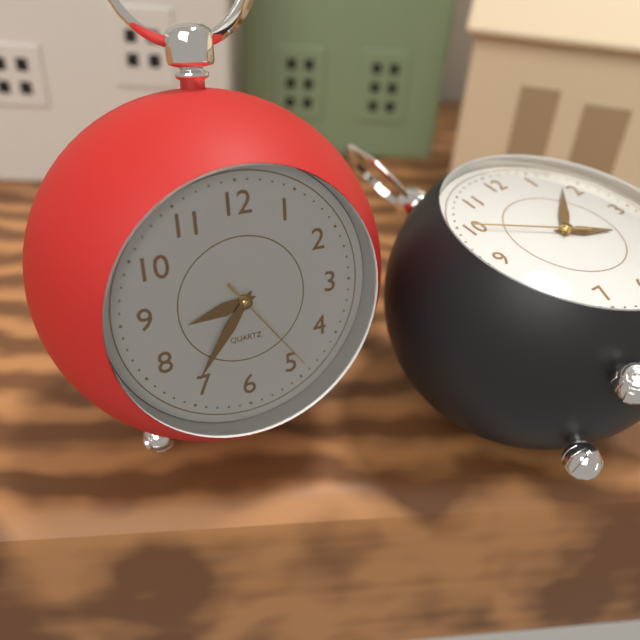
8h36m24s
